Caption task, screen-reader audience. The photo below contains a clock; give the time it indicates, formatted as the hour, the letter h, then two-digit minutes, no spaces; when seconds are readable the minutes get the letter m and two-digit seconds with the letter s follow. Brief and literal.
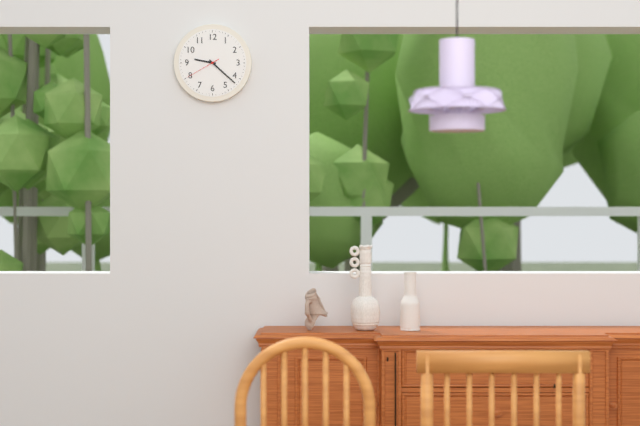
9h22
